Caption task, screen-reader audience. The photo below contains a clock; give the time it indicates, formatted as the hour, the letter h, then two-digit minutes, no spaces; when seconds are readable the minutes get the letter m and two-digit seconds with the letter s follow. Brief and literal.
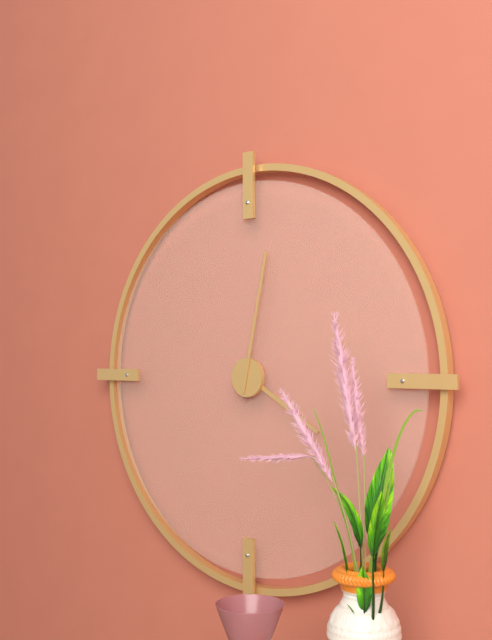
4h02
